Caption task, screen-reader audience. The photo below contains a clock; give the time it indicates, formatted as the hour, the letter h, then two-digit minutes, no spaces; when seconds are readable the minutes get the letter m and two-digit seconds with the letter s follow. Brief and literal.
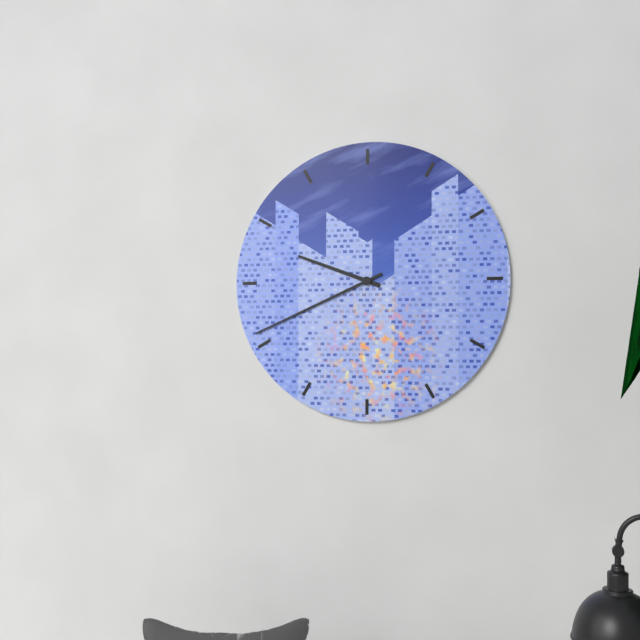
9h41
